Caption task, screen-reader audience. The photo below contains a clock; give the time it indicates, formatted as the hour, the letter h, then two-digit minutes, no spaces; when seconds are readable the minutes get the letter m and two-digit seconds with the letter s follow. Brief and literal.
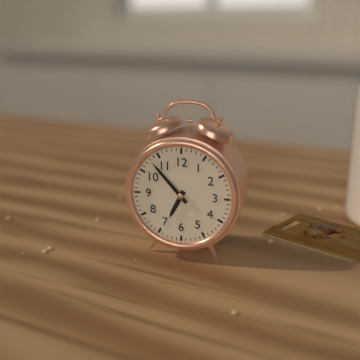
6h53
